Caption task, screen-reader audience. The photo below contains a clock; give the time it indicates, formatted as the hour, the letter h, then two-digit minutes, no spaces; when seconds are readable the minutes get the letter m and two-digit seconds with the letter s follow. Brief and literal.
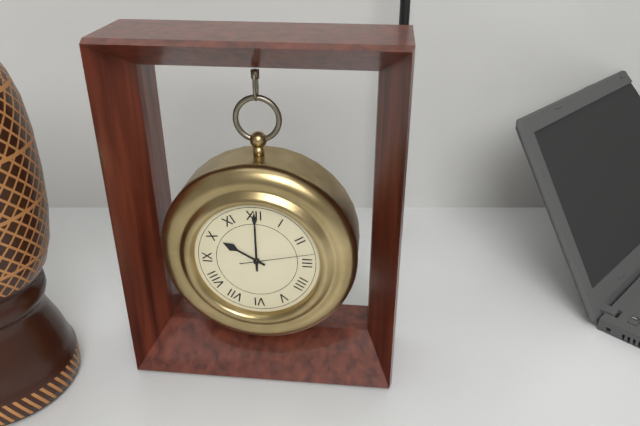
10h00m13s
